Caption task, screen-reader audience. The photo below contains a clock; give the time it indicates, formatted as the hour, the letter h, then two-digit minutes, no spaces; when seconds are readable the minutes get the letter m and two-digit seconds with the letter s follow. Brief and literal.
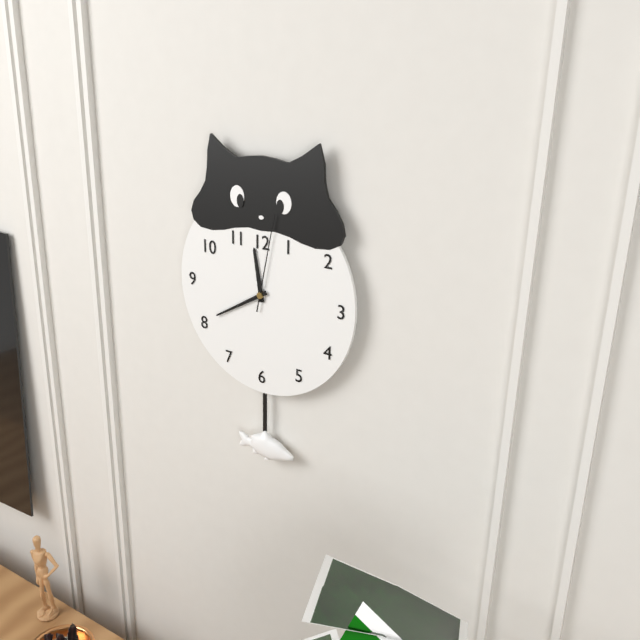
11h40m02s
